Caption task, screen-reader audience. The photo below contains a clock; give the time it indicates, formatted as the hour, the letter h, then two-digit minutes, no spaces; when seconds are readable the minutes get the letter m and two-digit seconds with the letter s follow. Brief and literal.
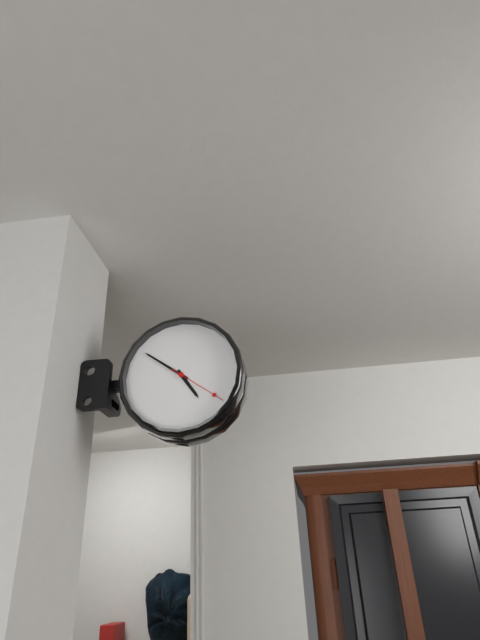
4h51m21s
